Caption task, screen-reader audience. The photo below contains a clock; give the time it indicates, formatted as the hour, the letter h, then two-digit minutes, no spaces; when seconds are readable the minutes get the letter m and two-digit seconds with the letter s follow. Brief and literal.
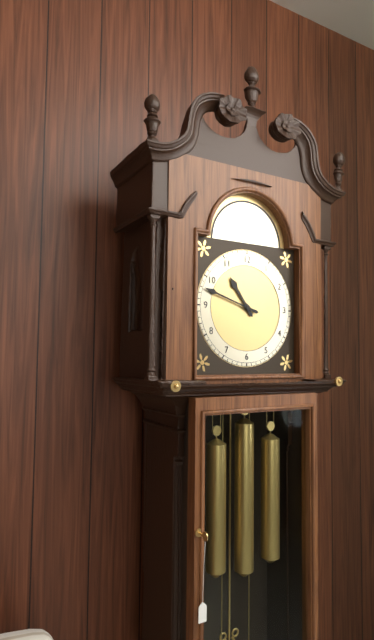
10h48
